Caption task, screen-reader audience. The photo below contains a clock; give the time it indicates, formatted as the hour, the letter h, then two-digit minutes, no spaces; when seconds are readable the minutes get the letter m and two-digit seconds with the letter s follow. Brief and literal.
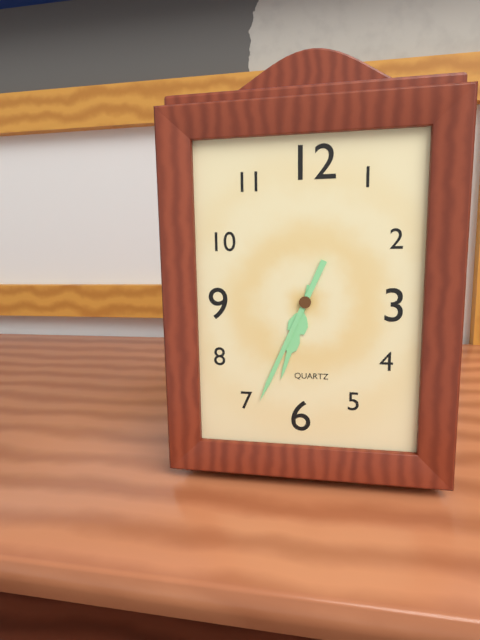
6h34
